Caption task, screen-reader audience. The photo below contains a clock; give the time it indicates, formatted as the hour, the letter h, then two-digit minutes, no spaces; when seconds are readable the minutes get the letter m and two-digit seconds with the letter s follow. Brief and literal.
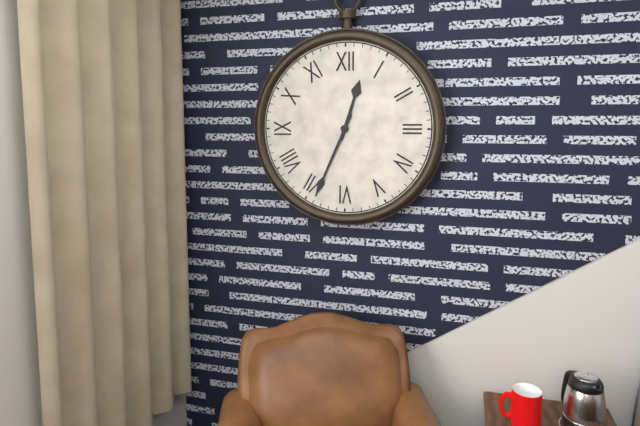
12h34
